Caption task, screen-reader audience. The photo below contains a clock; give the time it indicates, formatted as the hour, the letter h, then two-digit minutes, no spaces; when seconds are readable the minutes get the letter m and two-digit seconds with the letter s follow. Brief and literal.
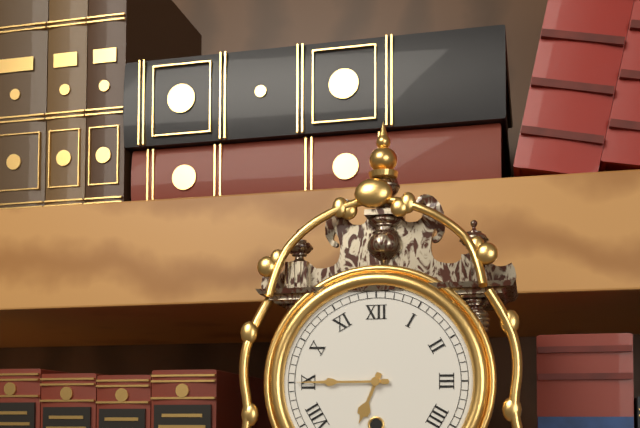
6h45
